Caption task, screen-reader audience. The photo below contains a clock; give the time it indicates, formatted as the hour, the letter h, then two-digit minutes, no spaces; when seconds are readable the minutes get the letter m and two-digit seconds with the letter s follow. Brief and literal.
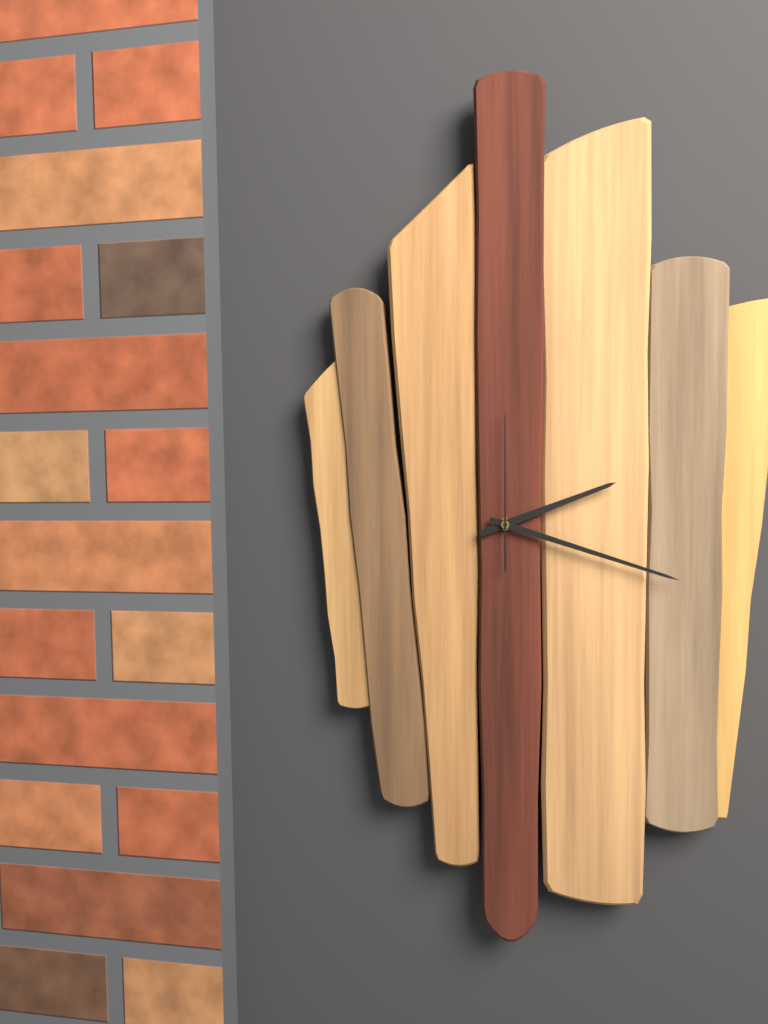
2h18m00s
